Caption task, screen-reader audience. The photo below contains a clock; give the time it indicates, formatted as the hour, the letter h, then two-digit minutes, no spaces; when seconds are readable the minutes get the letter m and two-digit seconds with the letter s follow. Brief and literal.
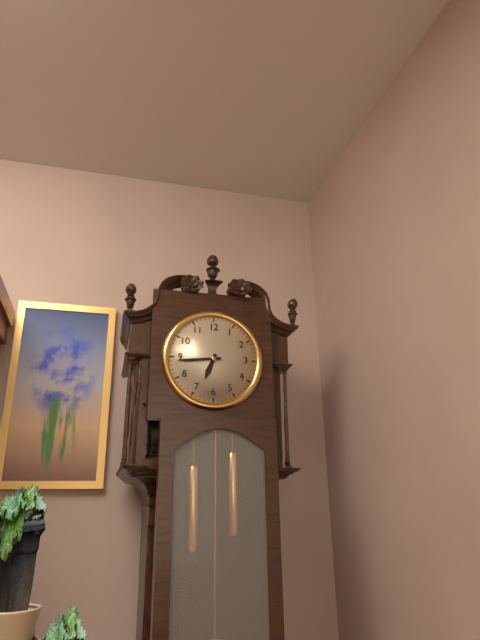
6h44
